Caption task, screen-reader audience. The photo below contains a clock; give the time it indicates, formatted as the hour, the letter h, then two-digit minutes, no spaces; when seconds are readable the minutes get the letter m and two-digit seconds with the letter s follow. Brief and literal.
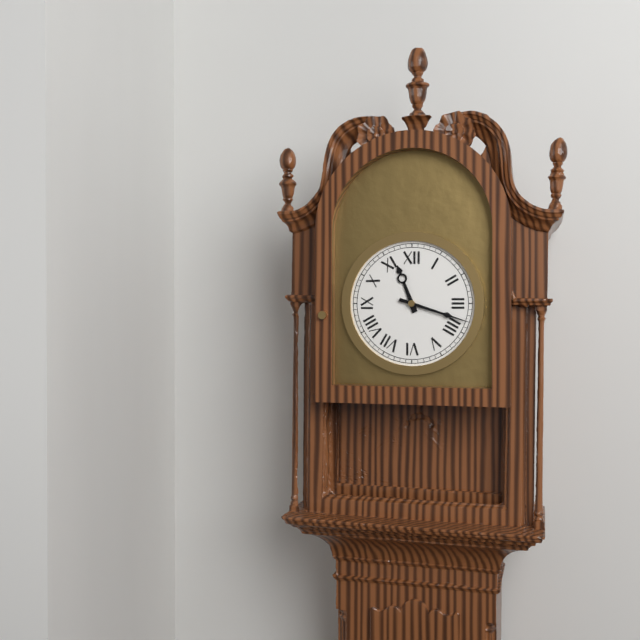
11h18
